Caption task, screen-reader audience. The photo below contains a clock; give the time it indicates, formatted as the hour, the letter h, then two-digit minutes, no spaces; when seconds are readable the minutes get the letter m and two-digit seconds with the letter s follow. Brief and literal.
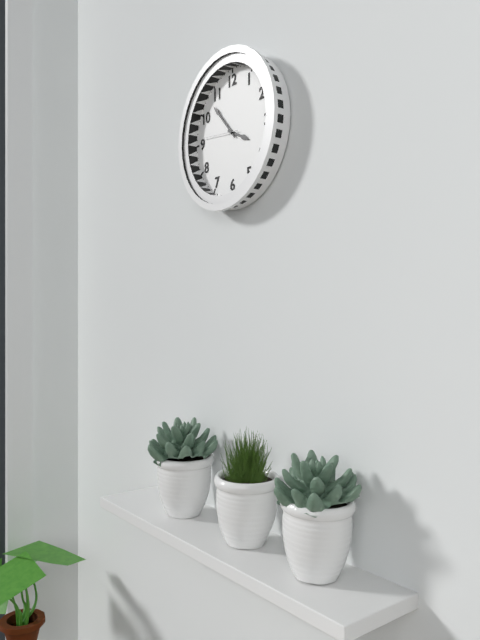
3h53
